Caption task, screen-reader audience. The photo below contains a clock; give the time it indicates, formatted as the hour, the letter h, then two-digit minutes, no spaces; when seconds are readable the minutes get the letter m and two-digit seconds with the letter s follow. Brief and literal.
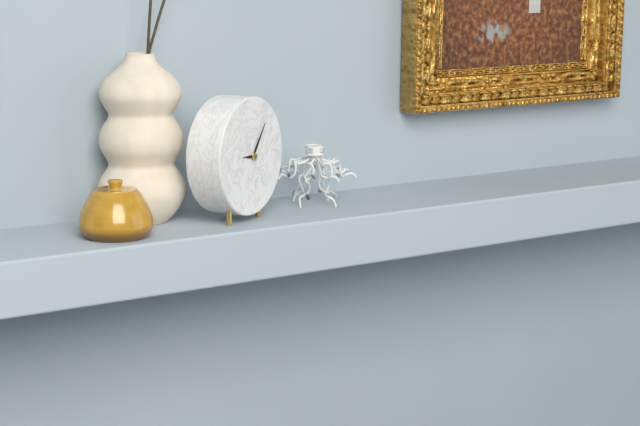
9h06
